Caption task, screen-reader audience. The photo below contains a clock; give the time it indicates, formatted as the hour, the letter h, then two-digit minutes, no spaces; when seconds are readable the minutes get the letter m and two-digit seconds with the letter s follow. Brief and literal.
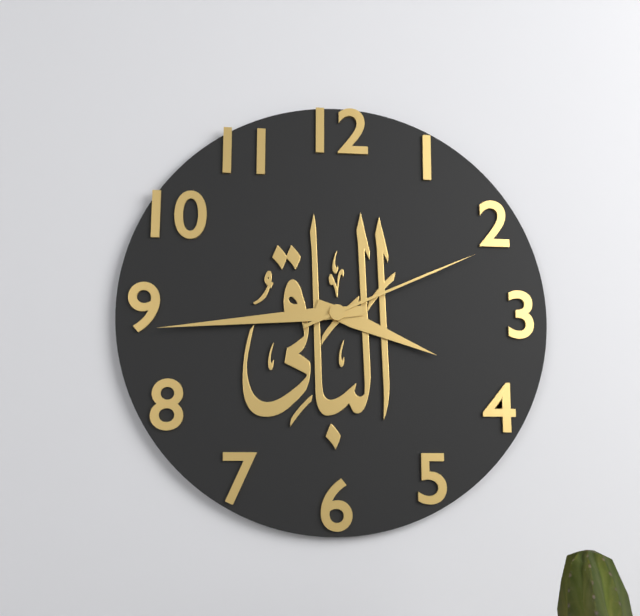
3h44m11s
